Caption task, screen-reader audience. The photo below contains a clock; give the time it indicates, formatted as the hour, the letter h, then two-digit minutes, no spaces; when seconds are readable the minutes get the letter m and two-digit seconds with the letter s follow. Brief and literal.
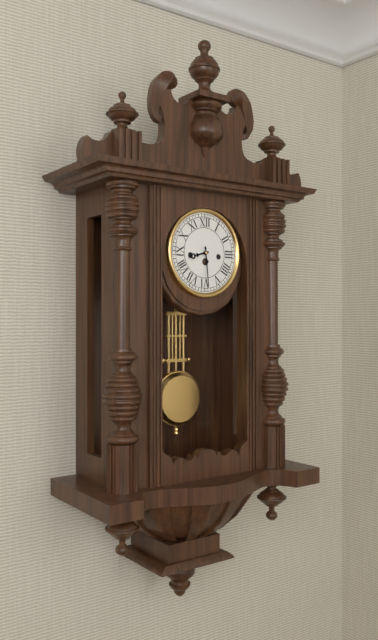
8h29
